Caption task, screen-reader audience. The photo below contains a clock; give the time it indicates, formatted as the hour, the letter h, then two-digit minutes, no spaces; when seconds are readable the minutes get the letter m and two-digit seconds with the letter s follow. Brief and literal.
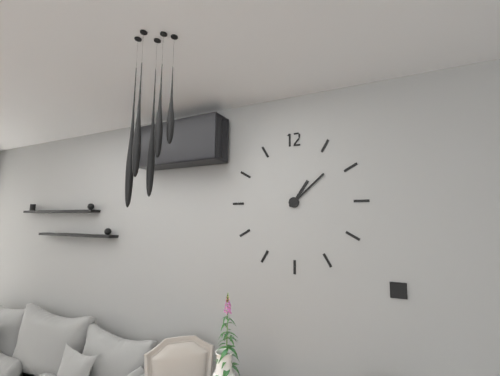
1h08
